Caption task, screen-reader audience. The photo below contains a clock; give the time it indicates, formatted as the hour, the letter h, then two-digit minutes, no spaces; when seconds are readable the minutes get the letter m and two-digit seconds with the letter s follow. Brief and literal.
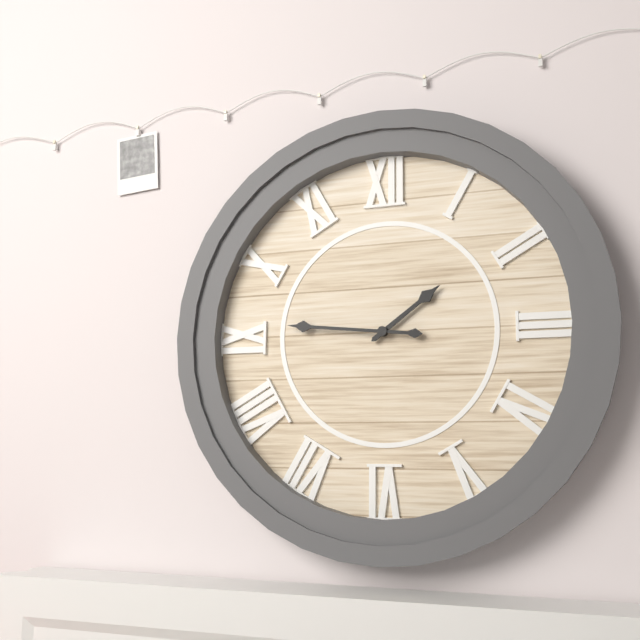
1h46
